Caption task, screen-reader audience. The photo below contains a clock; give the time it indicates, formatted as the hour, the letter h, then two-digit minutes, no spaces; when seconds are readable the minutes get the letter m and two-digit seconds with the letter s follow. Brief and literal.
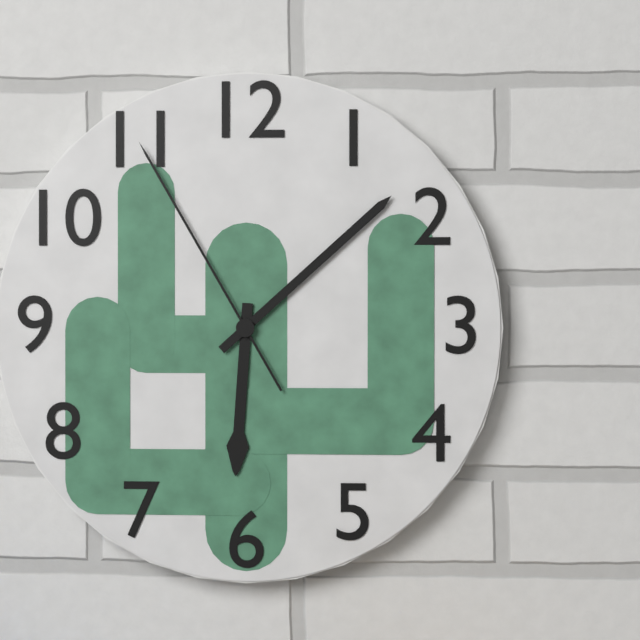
6h08m55s
